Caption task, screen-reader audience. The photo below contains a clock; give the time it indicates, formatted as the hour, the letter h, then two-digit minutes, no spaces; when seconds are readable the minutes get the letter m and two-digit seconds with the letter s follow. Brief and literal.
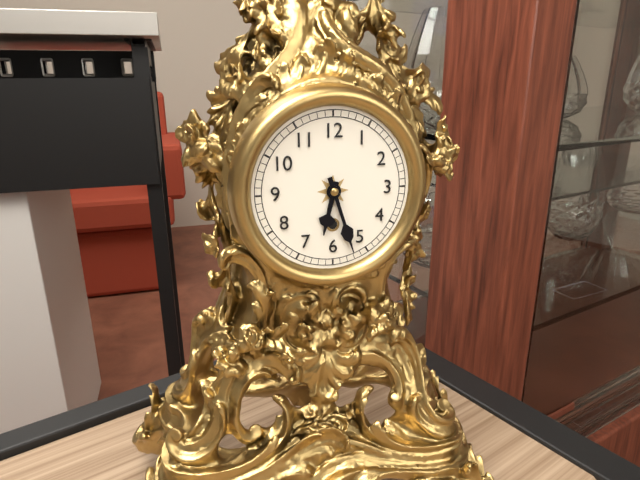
6h27
